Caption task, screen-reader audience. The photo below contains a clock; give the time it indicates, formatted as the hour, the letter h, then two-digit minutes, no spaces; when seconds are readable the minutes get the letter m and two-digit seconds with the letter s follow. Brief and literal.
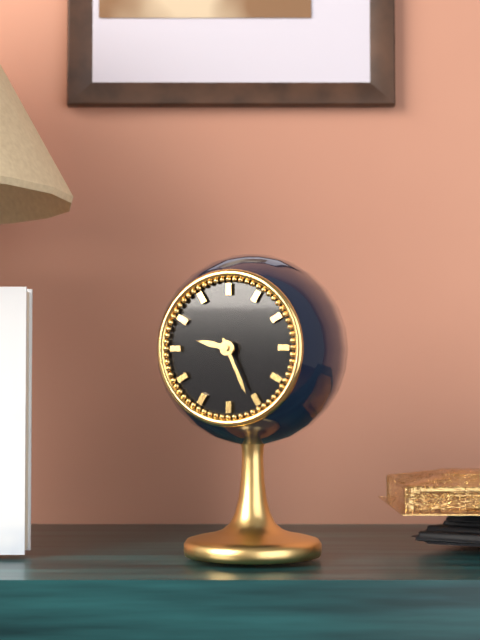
9h26
